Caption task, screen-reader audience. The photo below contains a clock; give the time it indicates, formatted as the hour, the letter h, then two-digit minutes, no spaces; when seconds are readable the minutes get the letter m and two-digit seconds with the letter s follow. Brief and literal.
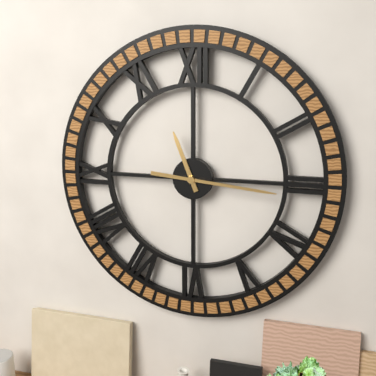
11h16
